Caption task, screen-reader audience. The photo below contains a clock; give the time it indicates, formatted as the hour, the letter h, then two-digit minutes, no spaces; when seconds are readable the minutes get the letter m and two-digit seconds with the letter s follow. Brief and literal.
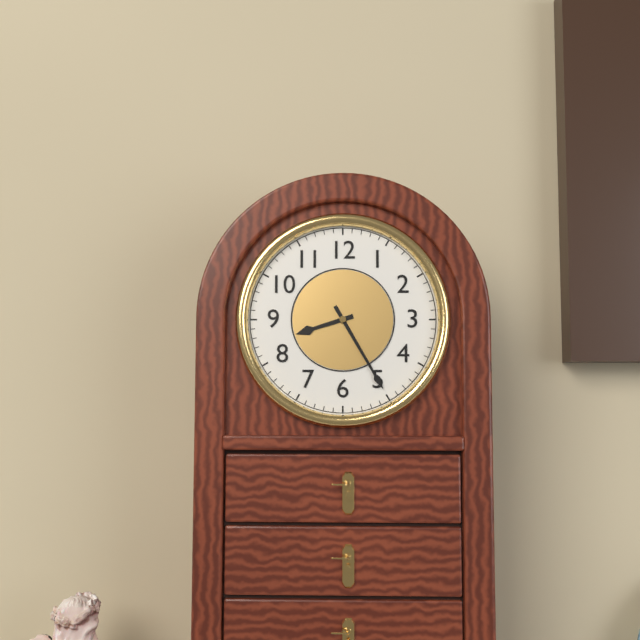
8h25
